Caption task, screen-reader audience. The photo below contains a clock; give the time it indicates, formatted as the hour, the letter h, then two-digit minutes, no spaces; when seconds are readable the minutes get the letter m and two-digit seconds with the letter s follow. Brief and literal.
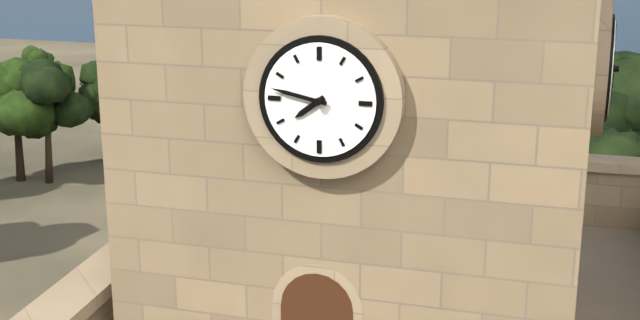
7h47
